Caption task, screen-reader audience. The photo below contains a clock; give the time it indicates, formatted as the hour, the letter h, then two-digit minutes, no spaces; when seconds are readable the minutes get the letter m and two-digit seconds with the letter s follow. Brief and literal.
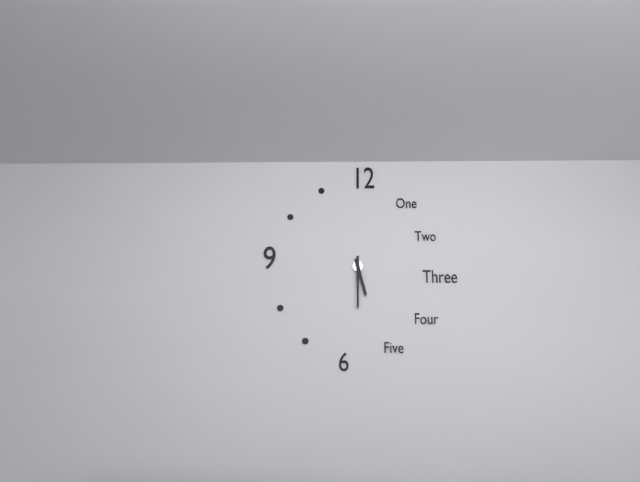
5h30
